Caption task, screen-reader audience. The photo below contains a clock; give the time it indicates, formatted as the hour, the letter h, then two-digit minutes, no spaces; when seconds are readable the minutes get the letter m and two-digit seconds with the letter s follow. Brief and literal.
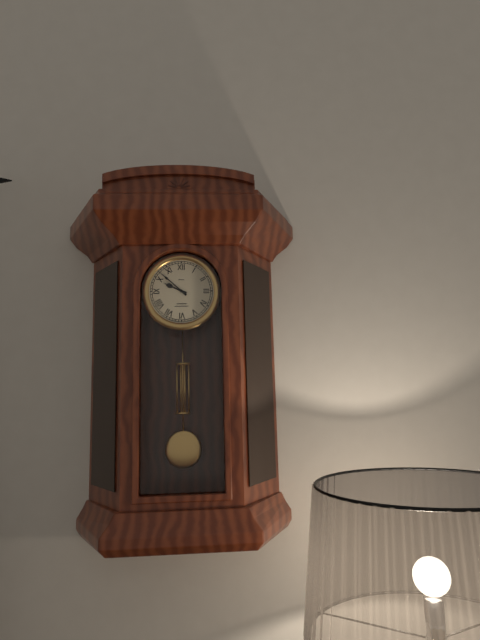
9h52
